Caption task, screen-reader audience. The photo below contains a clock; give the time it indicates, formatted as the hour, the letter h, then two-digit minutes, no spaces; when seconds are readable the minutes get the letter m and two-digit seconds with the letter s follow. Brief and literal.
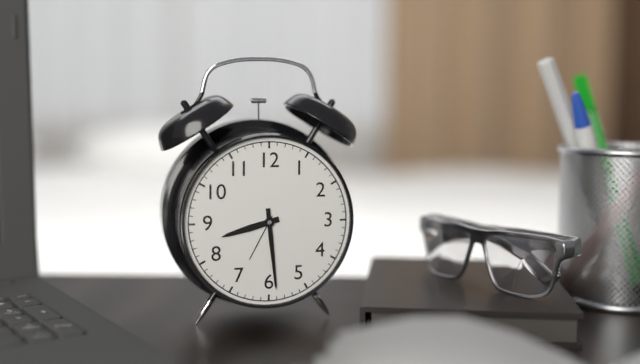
8h29
